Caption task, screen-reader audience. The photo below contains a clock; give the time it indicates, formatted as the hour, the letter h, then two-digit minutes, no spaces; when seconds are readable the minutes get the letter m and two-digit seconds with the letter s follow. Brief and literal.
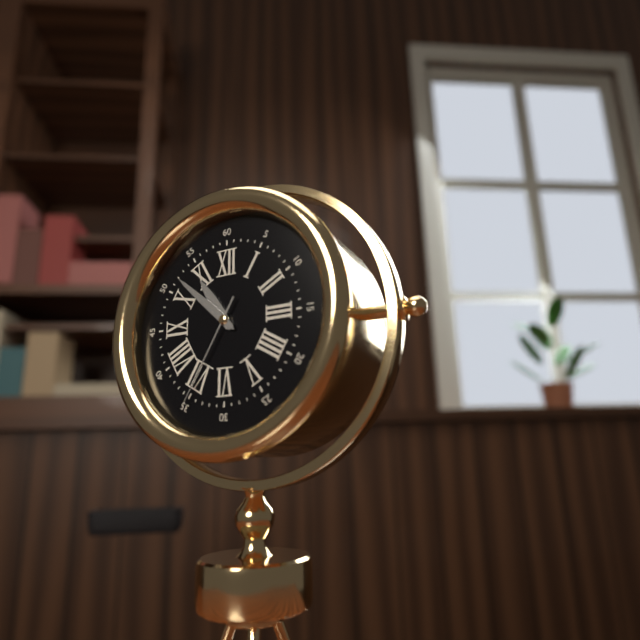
10h52m35s
